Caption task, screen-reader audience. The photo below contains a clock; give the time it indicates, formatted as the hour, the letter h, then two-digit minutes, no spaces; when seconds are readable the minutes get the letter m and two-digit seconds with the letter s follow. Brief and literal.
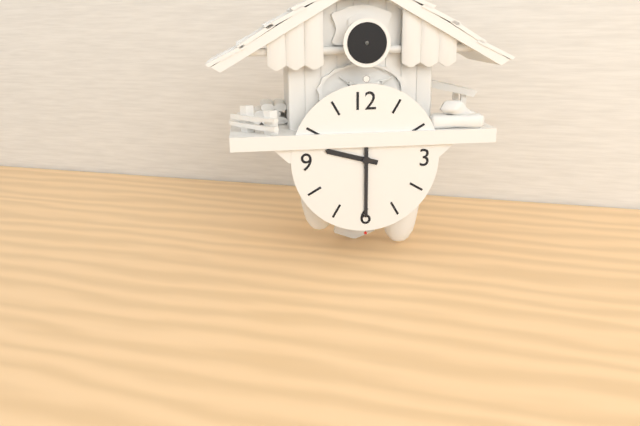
9h30
